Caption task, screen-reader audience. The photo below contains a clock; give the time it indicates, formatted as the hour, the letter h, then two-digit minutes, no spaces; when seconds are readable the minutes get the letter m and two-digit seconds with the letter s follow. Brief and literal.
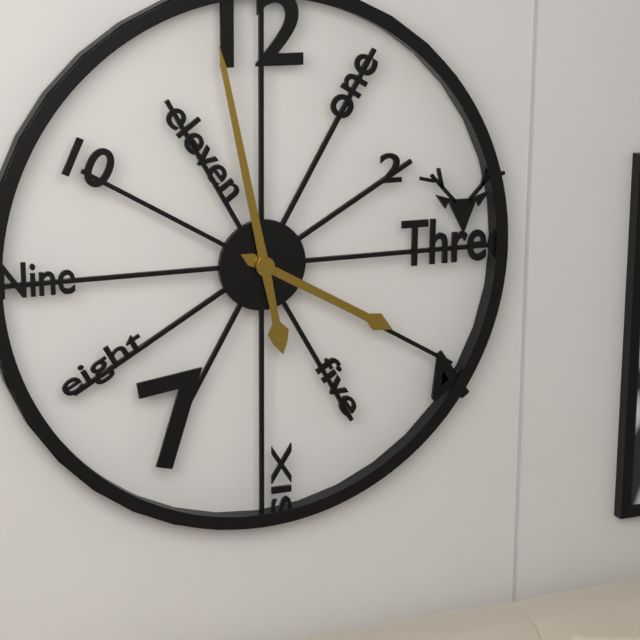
3h58
